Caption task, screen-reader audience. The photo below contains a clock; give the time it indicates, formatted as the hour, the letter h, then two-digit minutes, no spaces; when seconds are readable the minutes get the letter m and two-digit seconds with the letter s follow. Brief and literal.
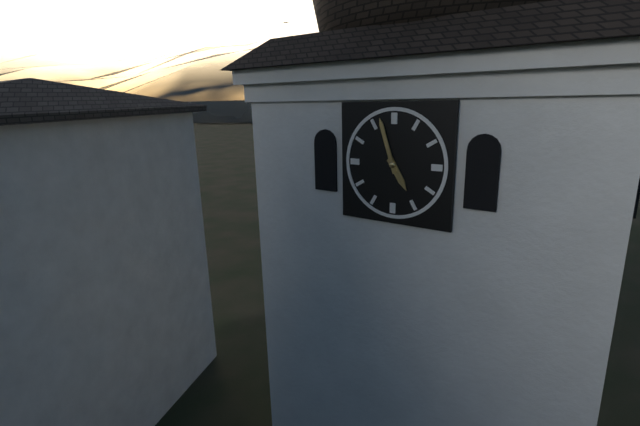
4h57
